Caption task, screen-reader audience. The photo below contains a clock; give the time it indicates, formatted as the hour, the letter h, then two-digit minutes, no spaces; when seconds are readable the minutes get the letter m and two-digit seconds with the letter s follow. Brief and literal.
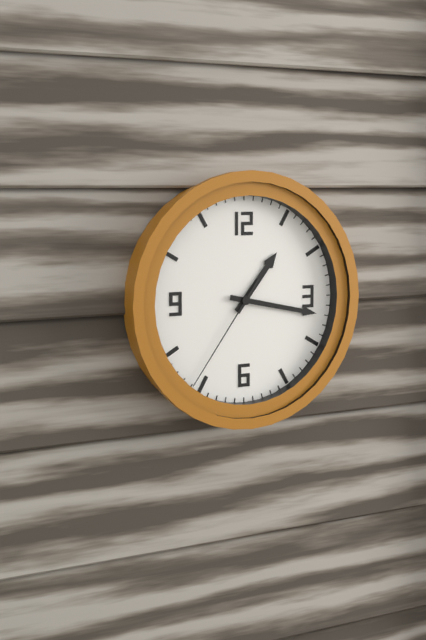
1h17m36s
